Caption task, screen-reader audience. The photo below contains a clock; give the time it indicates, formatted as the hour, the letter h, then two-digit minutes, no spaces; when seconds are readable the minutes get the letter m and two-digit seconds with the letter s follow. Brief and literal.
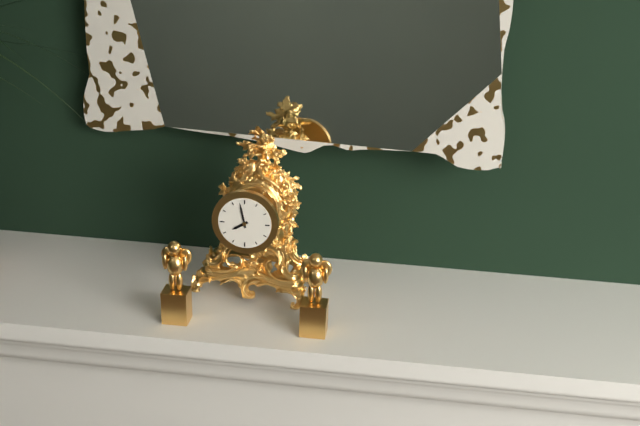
7h58
